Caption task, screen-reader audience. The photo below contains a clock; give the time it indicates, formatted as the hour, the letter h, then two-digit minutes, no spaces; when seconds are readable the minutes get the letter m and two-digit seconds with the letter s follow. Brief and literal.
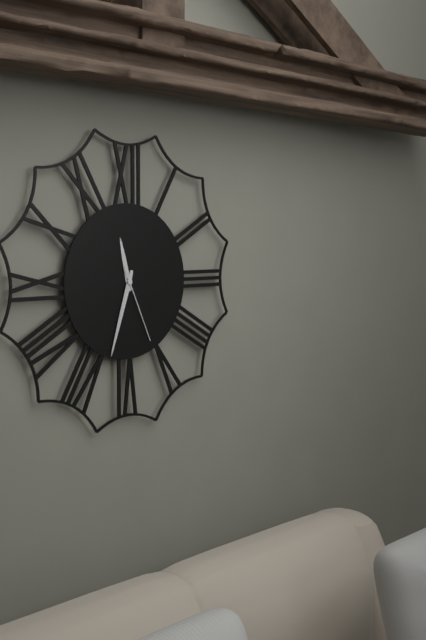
11h33m26s
